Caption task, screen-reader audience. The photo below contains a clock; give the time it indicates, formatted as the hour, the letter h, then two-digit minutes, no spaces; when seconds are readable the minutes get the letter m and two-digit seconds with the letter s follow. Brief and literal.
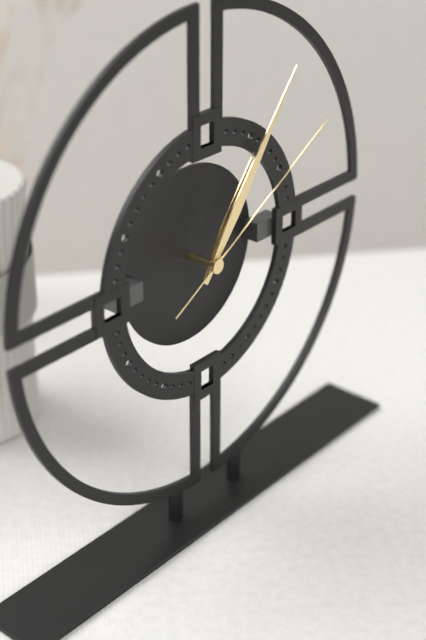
1h06m10s
